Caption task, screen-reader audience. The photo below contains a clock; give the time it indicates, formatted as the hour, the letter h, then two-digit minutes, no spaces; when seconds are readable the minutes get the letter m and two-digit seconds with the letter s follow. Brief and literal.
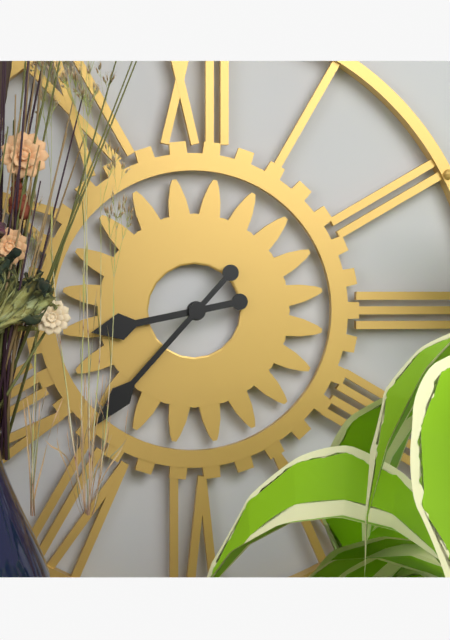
8h37
